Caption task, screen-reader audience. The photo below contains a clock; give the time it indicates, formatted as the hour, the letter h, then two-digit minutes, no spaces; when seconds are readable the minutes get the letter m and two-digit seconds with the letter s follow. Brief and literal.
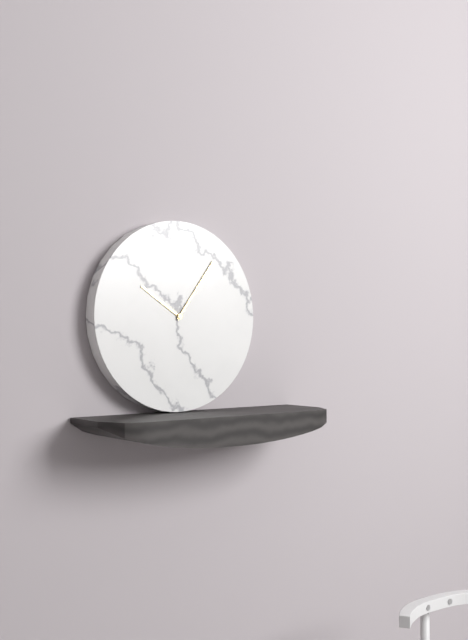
10h06
